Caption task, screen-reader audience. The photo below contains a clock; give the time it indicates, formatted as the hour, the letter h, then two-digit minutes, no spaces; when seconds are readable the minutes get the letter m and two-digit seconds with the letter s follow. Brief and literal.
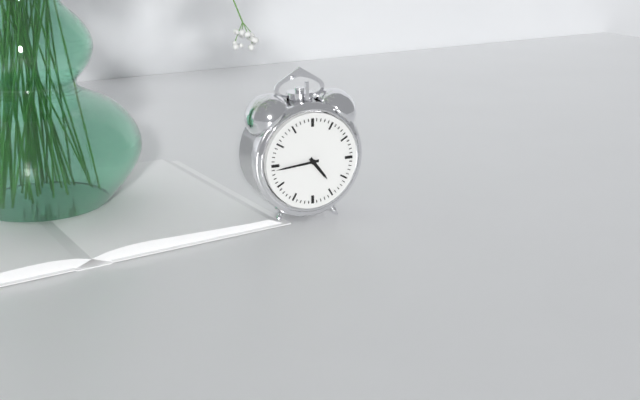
4h44
